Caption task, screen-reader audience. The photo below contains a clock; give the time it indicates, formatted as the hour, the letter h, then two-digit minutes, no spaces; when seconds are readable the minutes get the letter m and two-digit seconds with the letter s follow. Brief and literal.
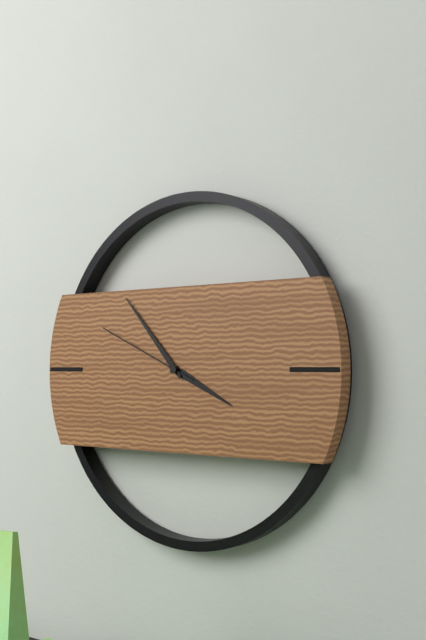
3h53m49s
